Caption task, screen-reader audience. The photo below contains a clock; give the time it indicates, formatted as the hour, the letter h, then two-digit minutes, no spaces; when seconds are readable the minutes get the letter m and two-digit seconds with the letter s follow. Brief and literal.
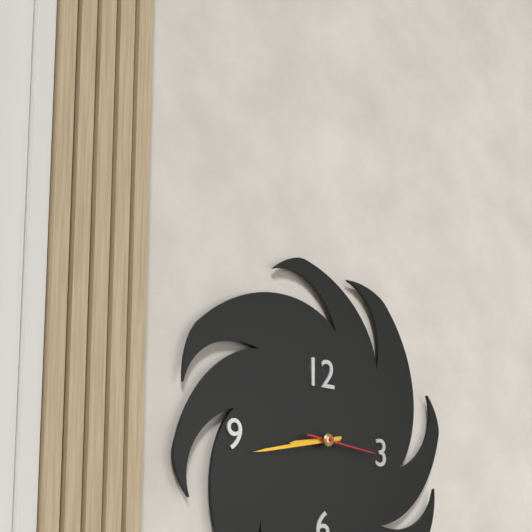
8h43m16s
